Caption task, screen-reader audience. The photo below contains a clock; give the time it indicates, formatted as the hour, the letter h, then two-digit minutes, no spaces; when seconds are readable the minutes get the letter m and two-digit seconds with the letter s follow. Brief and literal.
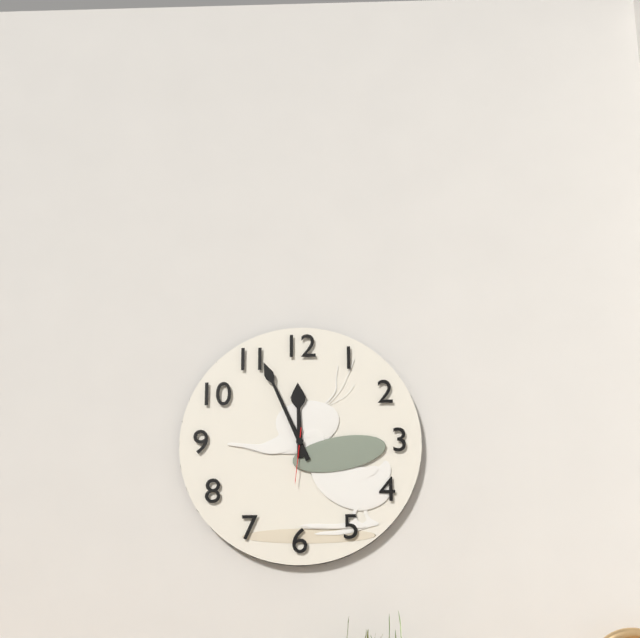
11h56m31s
